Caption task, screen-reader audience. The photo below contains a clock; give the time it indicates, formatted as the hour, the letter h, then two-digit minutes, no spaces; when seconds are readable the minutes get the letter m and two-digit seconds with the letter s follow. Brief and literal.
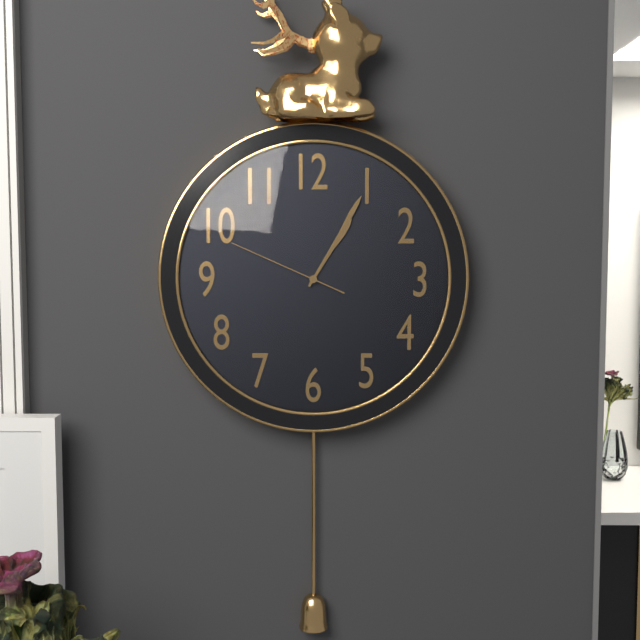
1h05m49s
